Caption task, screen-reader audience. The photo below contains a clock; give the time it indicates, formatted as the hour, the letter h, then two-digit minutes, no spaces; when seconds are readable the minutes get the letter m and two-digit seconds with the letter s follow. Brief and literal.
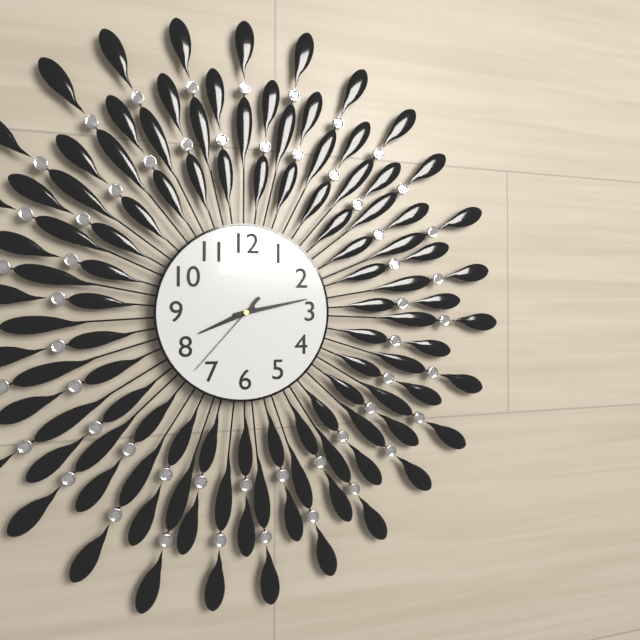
8h13m37s
